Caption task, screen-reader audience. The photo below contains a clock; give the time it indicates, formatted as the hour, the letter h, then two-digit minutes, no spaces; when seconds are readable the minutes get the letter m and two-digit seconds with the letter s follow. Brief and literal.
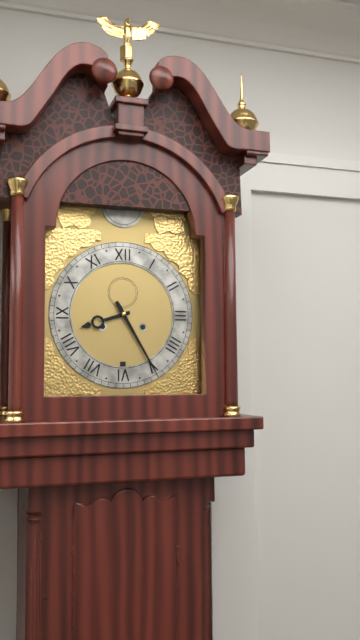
8h25
